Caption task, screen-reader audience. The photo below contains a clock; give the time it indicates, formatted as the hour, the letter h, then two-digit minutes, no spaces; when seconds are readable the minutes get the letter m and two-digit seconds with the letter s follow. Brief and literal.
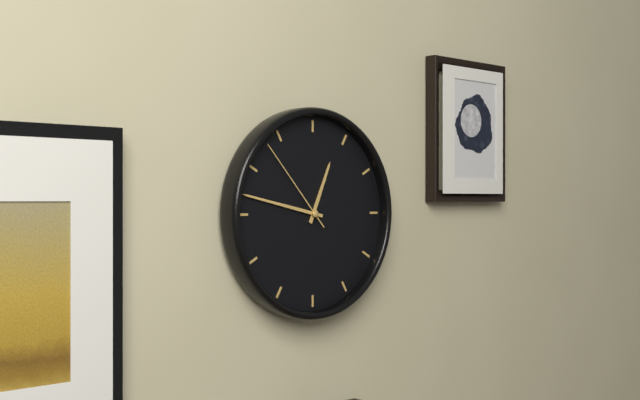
12h47m53s
